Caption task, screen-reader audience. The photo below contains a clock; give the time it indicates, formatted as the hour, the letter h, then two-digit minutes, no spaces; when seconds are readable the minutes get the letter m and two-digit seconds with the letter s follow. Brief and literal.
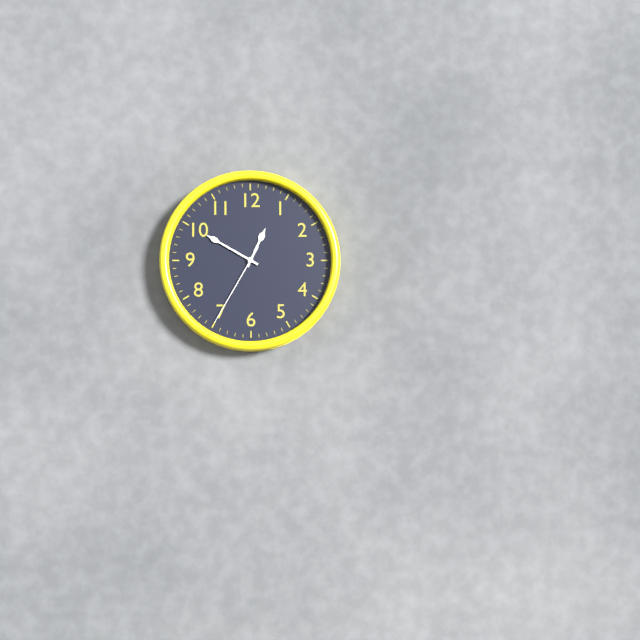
12h50m35s
